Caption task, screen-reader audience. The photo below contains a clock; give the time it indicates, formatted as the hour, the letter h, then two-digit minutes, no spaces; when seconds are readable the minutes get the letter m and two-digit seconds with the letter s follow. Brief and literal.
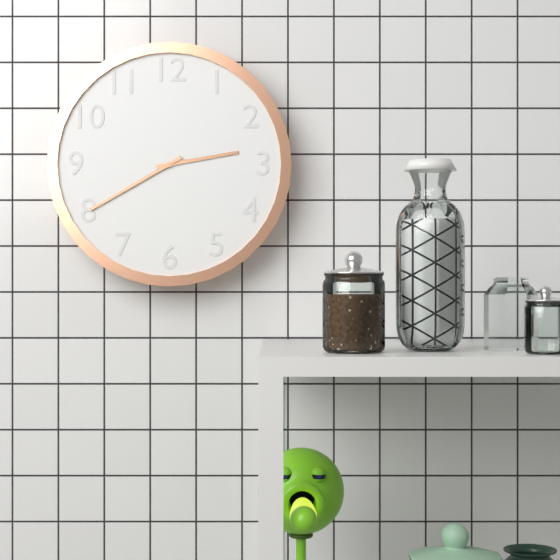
2h40
